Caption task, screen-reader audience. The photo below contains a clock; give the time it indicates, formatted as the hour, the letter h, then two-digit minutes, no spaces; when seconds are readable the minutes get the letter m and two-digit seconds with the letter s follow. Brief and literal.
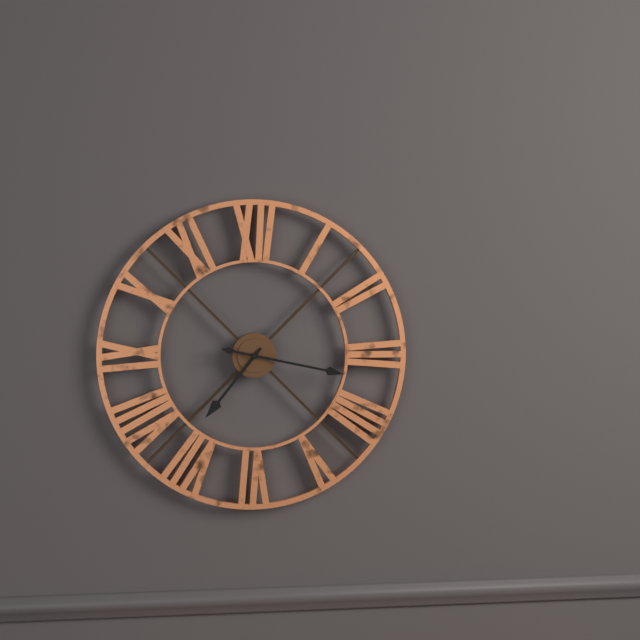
7h17
